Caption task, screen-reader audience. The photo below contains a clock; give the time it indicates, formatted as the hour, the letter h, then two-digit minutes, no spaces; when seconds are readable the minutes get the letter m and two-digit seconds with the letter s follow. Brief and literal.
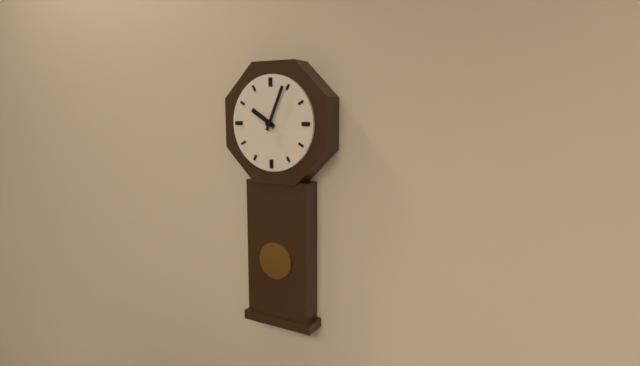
10h04
